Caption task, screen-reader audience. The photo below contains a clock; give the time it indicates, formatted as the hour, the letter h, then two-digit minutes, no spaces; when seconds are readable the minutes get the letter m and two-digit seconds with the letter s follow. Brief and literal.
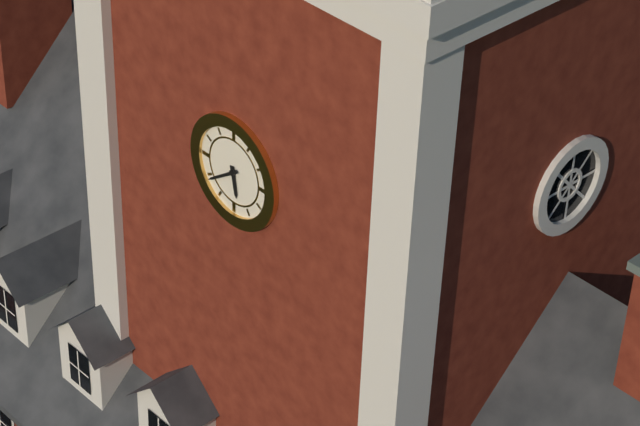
5h39
